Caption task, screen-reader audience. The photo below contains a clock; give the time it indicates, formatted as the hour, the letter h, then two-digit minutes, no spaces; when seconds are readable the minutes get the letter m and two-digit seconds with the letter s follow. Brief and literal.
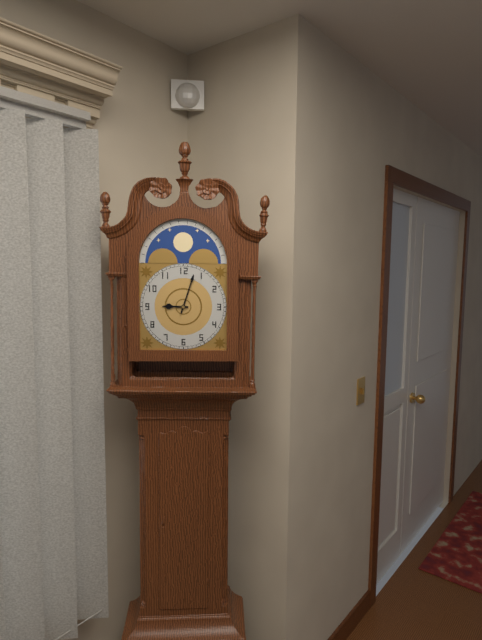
9h03
